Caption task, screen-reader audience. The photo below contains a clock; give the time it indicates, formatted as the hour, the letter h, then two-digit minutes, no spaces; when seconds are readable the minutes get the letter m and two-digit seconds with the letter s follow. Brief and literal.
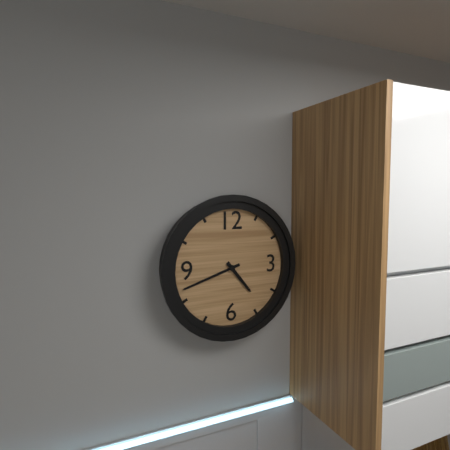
4h42
